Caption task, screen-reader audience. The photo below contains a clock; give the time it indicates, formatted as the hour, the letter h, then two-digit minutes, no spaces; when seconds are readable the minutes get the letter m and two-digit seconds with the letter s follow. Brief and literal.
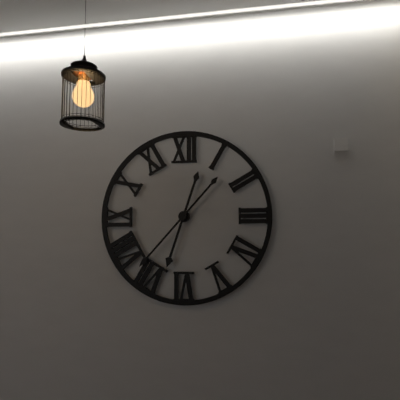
6h37
